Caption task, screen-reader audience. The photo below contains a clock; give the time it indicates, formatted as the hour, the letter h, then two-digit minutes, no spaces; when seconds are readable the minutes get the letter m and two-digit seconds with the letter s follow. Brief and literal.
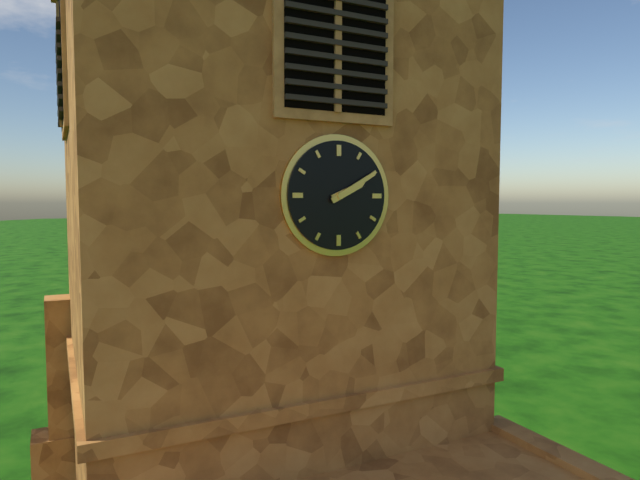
2h10
